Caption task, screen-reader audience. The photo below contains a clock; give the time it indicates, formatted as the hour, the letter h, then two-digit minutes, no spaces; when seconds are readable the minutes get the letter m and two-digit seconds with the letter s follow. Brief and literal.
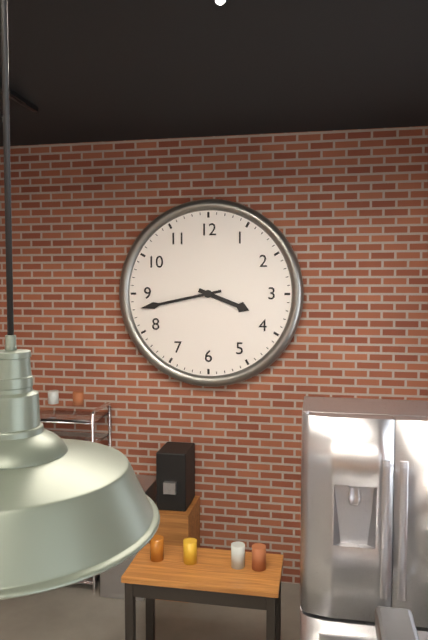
3h43
